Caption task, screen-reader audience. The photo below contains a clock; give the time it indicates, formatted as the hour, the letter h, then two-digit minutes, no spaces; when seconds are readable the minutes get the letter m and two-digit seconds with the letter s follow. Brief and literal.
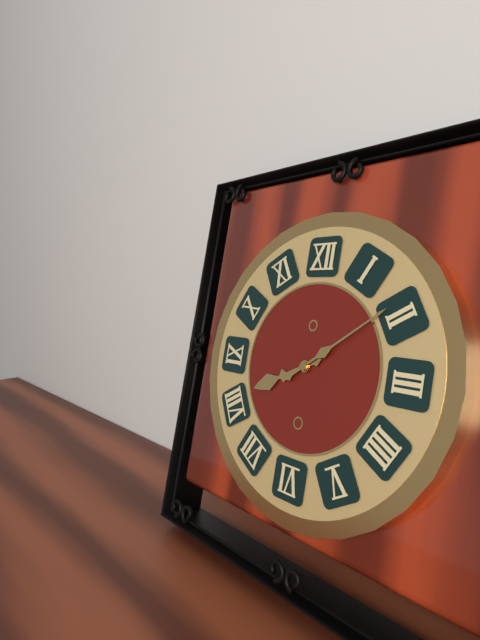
8h09
